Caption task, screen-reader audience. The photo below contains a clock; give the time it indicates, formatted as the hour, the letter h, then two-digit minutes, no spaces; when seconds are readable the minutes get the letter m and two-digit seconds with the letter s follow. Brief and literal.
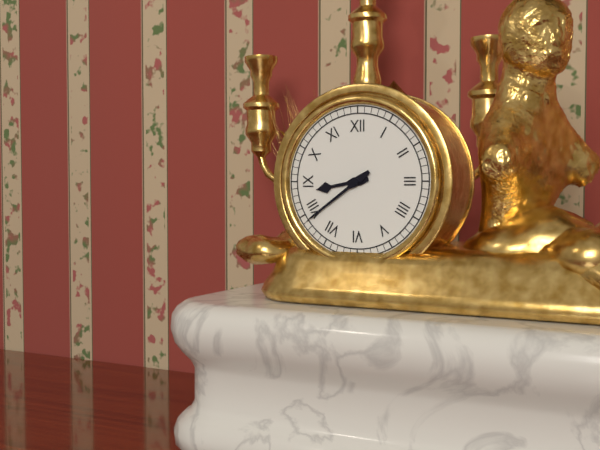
8h39
